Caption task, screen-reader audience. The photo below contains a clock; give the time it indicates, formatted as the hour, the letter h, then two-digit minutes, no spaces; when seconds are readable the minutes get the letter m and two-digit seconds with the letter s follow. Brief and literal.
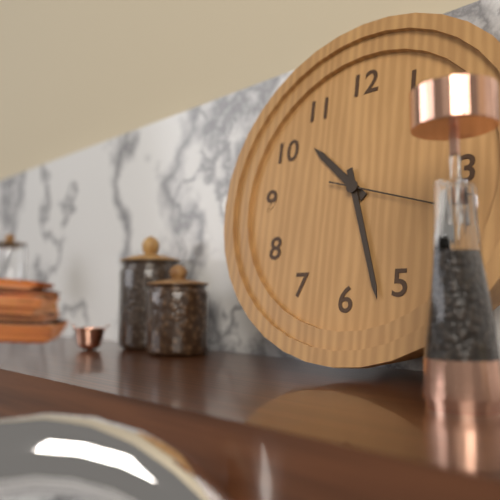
10h27m18s
